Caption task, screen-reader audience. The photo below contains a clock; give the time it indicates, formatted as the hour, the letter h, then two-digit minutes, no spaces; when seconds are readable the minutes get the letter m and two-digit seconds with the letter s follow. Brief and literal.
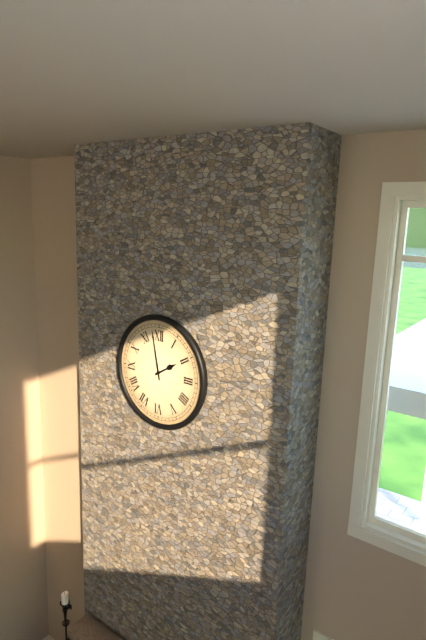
1h58
